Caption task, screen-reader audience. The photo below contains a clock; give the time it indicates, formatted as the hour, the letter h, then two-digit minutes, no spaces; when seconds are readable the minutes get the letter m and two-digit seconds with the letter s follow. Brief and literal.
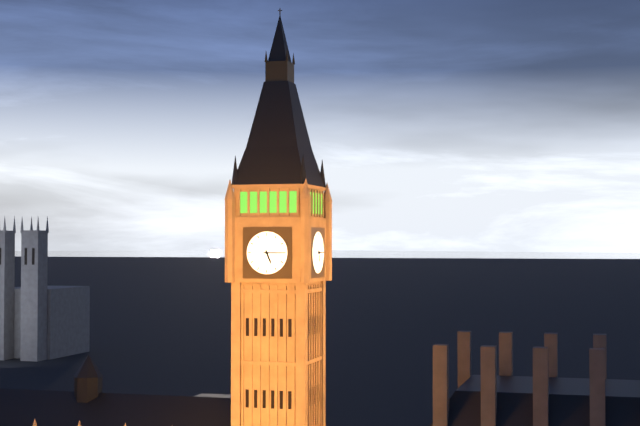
5h15
